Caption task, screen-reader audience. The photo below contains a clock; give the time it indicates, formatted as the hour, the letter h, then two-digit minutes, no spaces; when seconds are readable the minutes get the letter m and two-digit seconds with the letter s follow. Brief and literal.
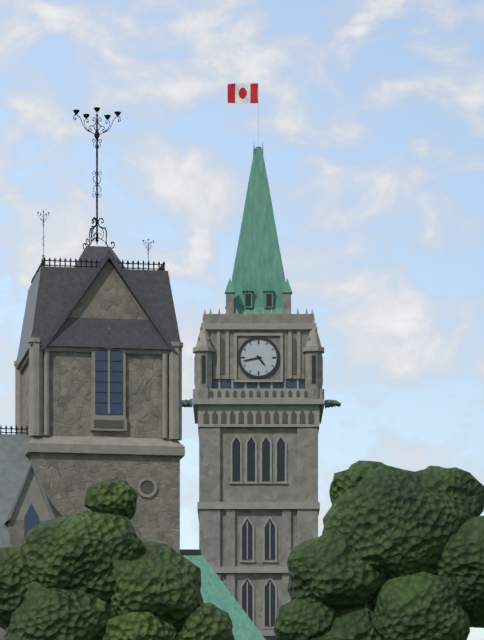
4h43
